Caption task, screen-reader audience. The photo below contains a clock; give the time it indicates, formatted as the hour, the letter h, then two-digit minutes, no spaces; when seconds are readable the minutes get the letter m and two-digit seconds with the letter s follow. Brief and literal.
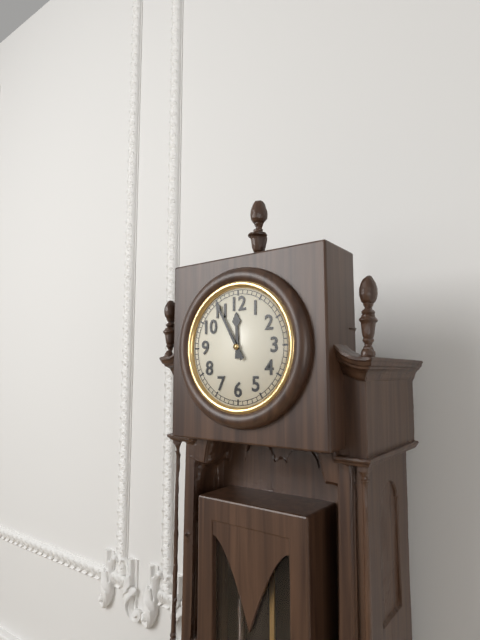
11h55
